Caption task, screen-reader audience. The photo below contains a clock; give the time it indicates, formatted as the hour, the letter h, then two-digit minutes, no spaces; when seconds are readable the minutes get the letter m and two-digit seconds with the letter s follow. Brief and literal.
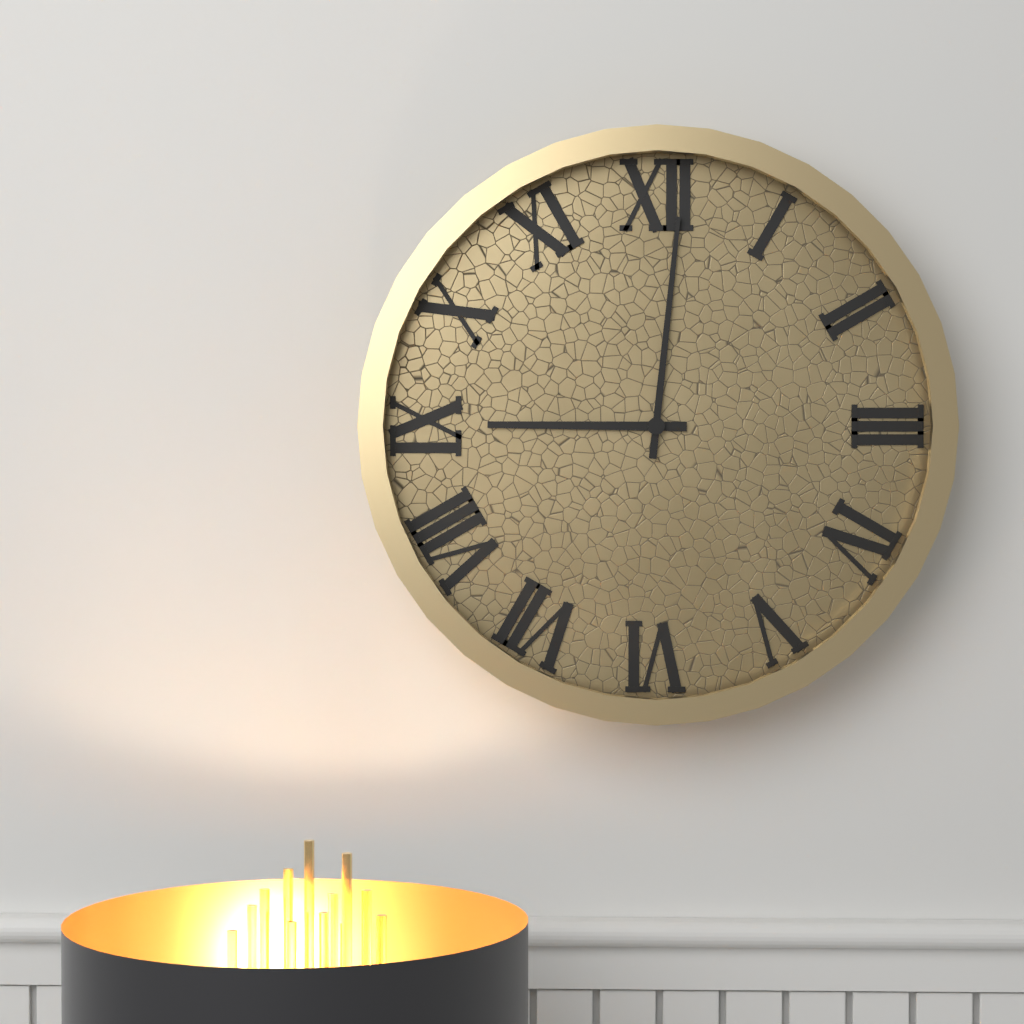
9h01
